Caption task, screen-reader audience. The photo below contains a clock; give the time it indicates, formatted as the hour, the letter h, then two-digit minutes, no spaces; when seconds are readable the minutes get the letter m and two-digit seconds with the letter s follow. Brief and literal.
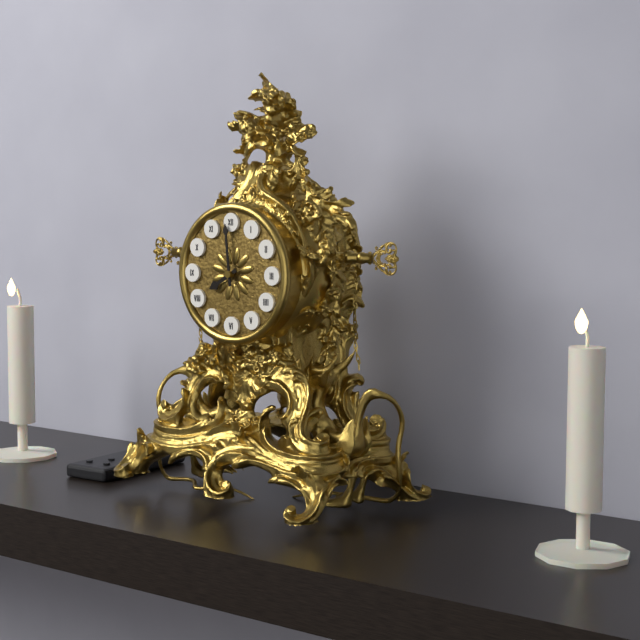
7h59
